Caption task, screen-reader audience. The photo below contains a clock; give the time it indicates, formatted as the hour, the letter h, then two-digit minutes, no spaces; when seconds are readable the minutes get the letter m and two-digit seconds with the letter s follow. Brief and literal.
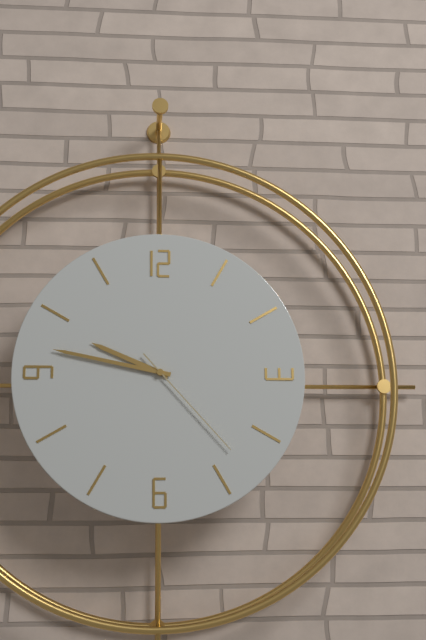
9h47m23s
